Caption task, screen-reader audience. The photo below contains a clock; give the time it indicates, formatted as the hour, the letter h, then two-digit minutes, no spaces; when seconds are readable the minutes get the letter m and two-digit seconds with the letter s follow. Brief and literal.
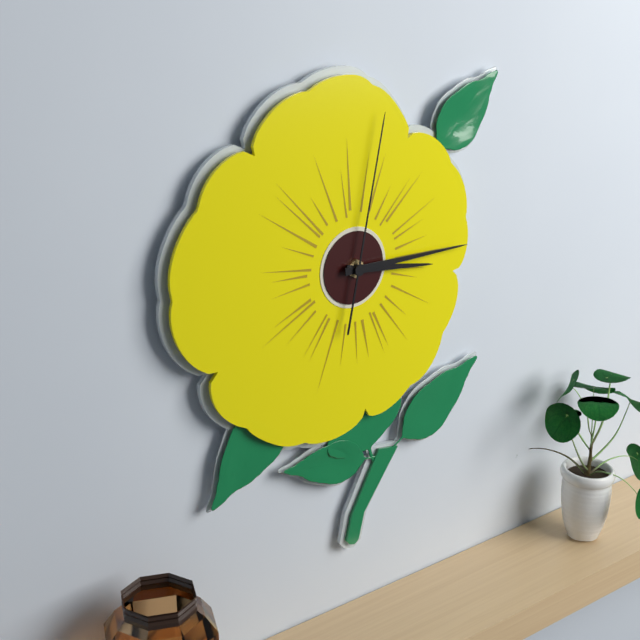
3h15m02s
